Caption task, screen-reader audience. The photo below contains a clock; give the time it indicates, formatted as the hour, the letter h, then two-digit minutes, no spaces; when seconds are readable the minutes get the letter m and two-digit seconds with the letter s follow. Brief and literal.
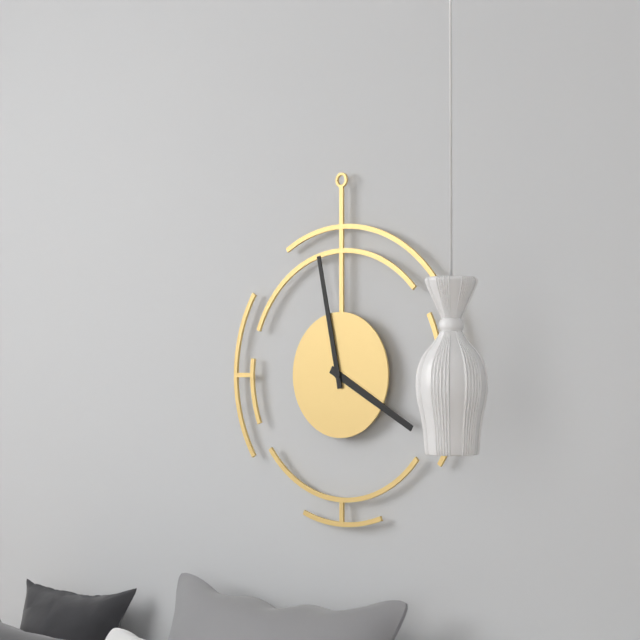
3h58
